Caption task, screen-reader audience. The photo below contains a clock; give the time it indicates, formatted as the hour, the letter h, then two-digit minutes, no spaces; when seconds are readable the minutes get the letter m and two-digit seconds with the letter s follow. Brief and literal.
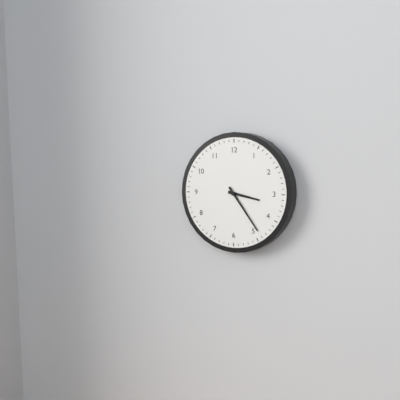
3h24
